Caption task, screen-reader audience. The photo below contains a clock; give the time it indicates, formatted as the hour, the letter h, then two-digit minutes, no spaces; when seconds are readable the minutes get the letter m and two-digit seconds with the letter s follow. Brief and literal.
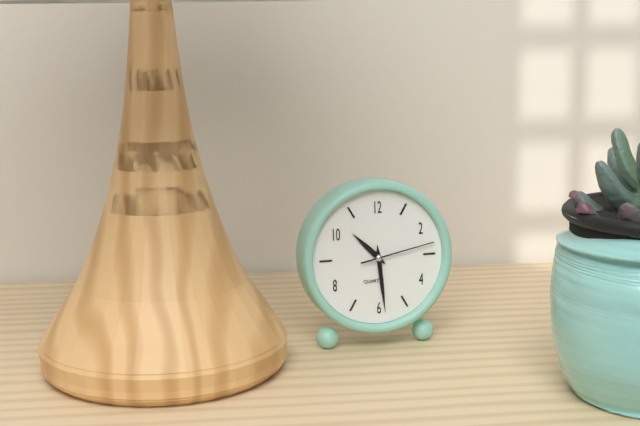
10h29m13s
